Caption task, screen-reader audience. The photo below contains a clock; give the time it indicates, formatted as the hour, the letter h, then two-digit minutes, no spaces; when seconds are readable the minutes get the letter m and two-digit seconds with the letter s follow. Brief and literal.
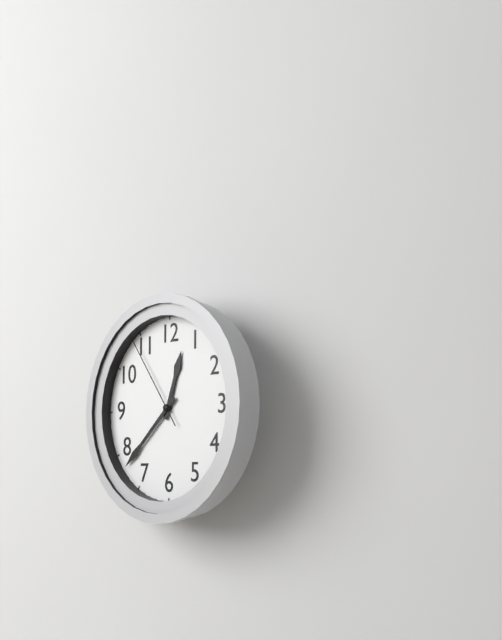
12h38m54s
